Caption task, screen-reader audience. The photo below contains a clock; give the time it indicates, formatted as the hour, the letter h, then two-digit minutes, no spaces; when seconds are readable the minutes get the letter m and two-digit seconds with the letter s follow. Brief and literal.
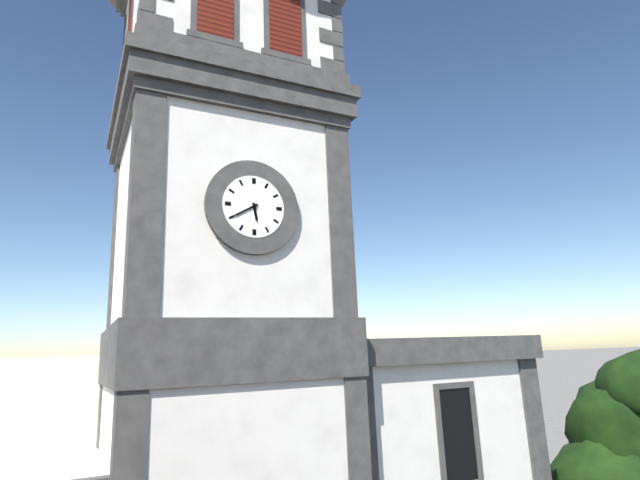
5h40
